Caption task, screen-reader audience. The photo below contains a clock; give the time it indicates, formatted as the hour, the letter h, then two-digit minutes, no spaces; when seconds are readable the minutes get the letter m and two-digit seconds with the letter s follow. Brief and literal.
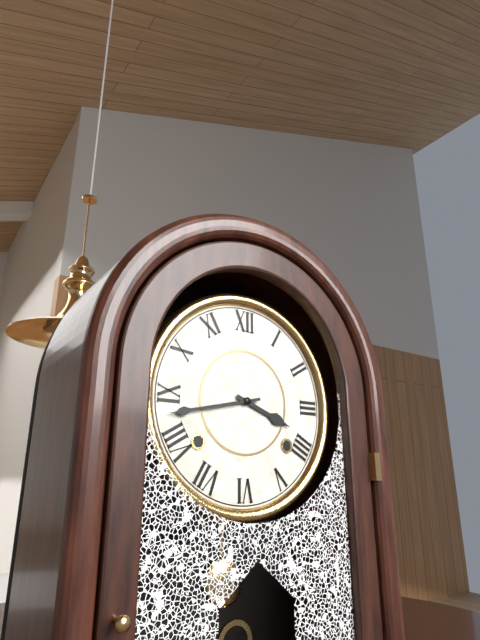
3h43
